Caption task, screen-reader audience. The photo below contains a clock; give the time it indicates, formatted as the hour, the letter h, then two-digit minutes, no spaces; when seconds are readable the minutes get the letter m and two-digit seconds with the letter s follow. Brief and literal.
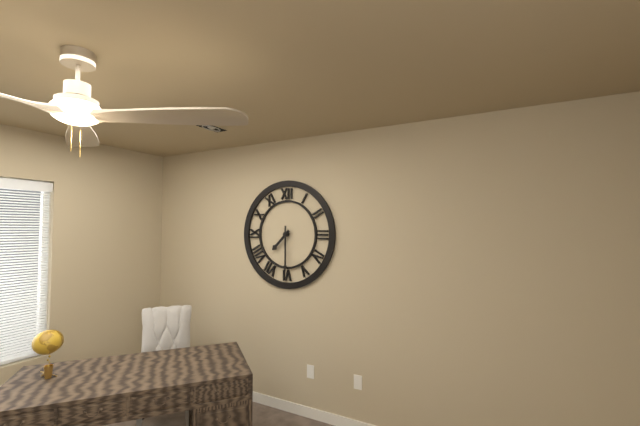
7h30
